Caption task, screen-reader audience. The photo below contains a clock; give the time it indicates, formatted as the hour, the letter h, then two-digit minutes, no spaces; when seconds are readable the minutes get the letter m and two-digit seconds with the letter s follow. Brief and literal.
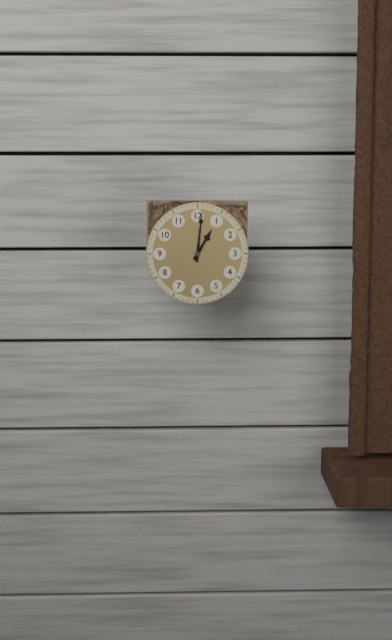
1h01
